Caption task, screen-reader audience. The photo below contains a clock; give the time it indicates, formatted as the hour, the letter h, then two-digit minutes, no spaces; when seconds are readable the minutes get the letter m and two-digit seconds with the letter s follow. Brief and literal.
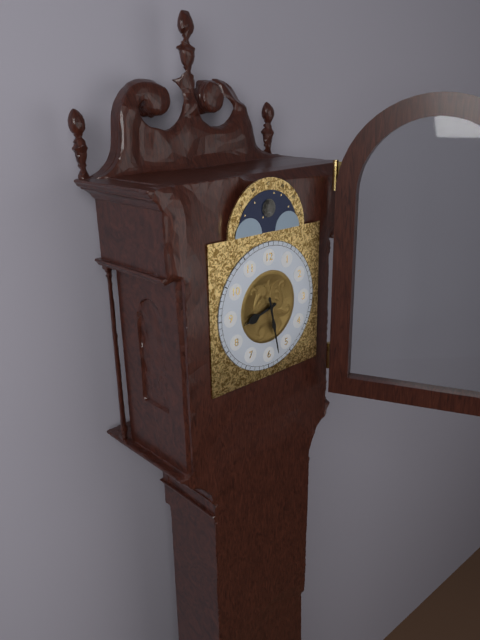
8h28
